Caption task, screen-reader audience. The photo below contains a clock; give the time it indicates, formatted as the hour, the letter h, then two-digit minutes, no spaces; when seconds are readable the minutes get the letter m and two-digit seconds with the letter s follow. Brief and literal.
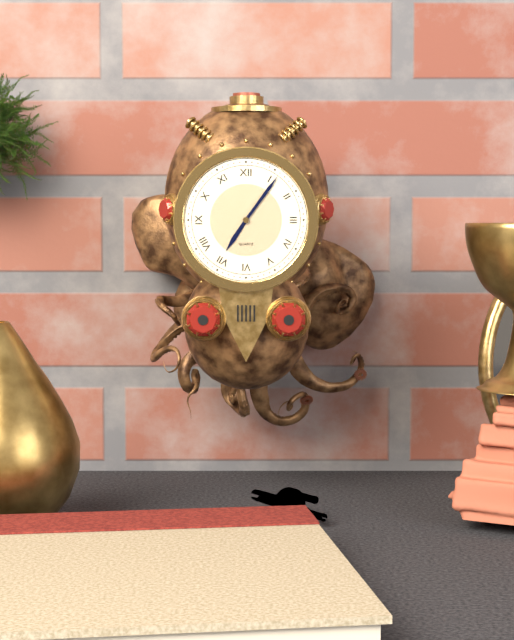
7h06
